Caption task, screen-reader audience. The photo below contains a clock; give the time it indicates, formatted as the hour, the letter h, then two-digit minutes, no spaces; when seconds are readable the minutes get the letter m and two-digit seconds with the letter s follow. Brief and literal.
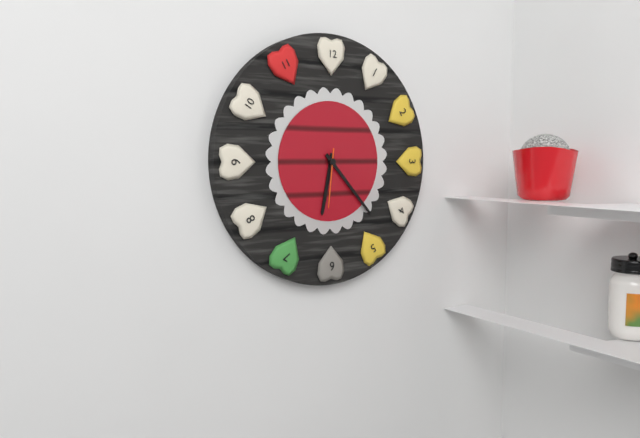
6h23m31s
